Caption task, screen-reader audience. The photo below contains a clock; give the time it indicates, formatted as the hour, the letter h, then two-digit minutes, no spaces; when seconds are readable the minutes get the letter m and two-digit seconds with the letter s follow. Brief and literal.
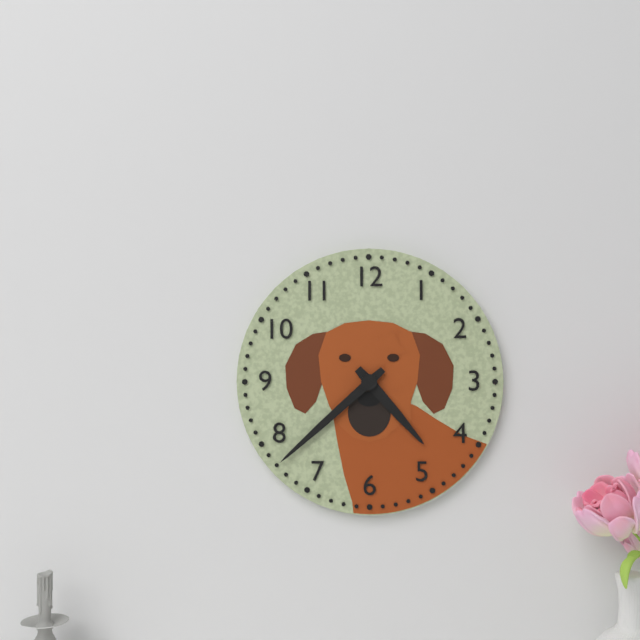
4h38
